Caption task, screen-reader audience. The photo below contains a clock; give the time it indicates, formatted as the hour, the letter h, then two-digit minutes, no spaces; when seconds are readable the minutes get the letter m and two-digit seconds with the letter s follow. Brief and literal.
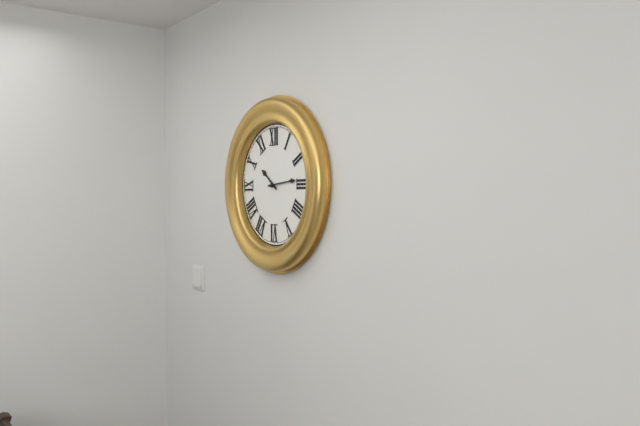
10h14
